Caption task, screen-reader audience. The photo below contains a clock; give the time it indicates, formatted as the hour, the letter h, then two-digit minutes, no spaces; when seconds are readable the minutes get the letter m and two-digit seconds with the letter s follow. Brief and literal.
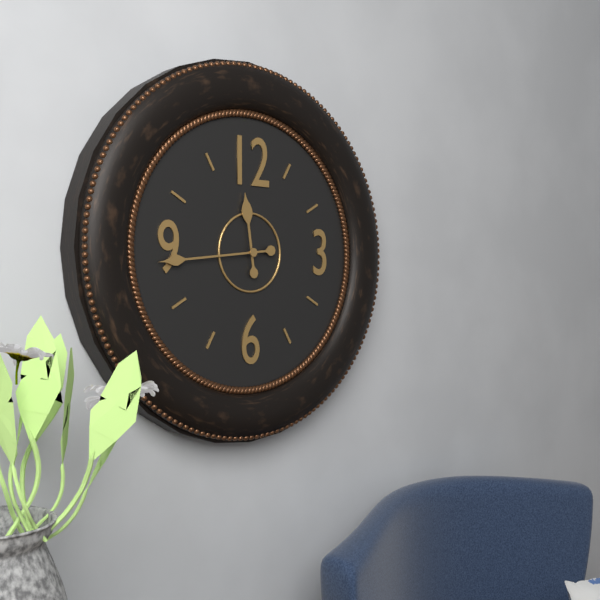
11h44
